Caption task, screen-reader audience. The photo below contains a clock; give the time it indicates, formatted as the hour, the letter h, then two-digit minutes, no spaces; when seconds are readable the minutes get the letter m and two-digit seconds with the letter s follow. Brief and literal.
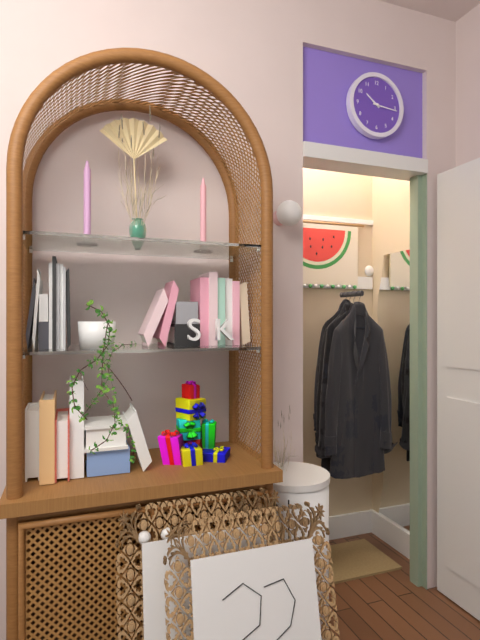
10h16
